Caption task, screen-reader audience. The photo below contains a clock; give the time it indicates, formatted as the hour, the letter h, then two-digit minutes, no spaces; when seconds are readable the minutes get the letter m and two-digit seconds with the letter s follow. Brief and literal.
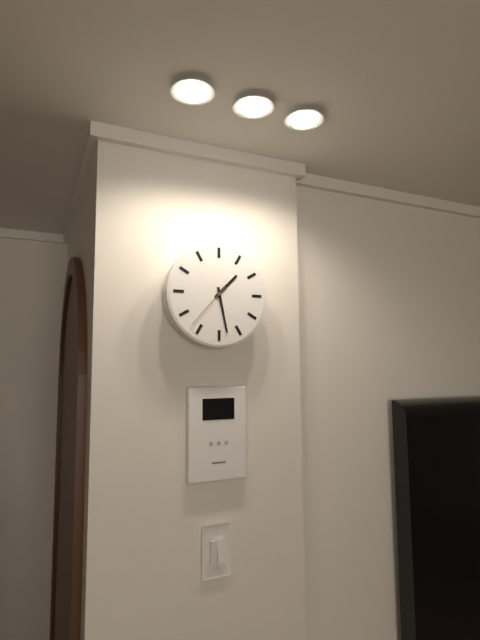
1h28m37s
